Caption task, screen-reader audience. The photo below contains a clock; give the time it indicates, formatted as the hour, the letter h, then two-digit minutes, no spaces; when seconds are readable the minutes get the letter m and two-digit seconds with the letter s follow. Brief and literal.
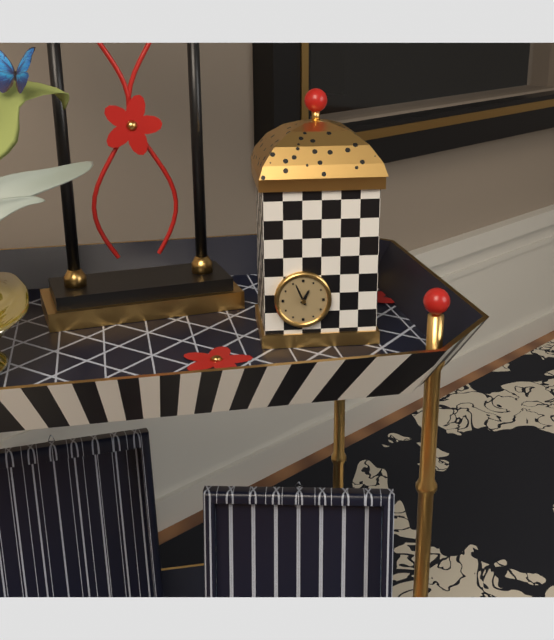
12h56
